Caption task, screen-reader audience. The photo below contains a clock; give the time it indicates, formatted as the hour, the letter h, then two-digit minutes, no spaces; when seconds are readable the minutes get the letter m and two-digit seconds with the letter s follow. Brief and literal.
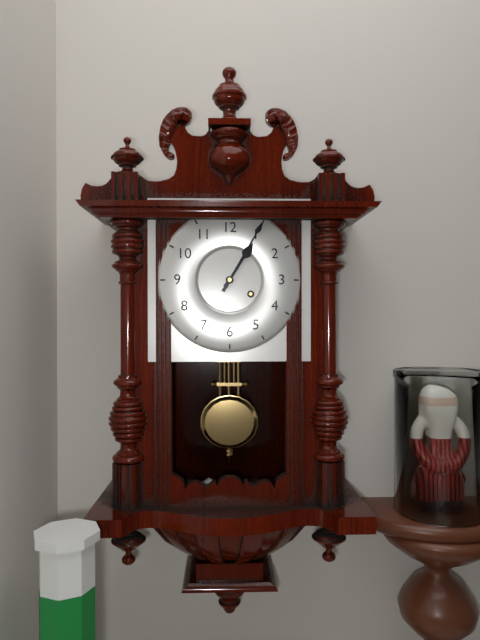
1h05
